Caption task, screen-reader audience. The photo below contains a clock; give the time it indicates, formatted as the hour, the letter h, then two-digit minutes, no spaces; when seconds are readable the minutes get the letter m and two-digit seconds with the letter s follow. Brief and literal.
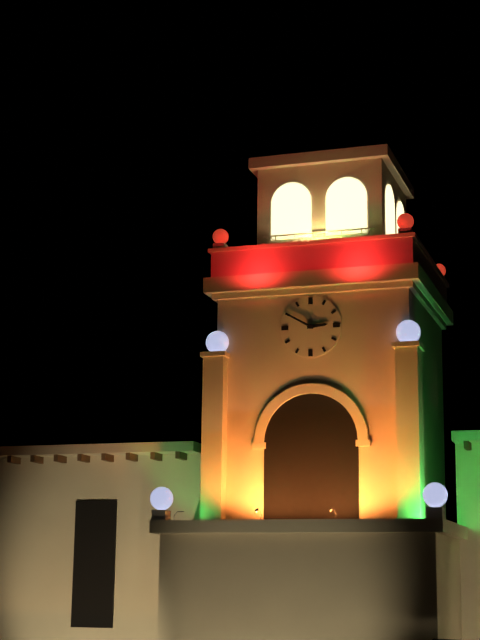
2h50
